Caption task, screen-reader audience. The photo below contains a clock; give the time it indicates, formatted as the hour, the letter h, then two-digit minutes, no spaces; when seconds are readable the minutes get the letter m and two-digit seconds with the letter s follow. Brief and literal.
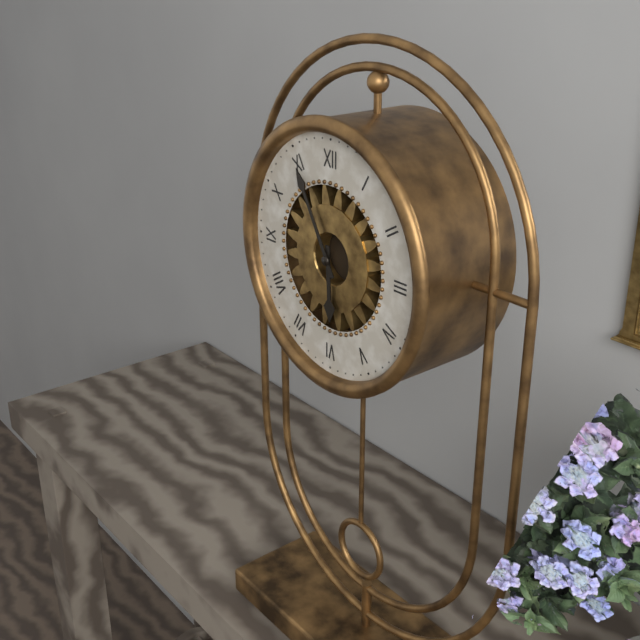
5h55
